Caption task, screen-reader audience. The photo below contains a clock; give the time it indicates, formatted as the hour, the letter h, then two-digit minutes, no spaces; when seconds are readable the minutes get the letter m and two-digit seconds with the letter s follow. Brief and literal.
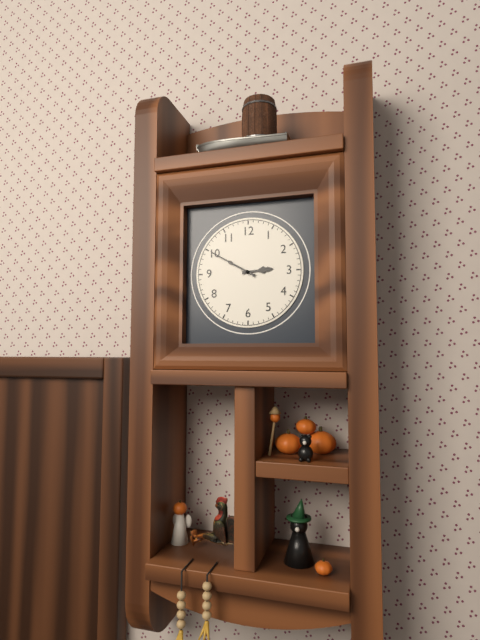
2h50
